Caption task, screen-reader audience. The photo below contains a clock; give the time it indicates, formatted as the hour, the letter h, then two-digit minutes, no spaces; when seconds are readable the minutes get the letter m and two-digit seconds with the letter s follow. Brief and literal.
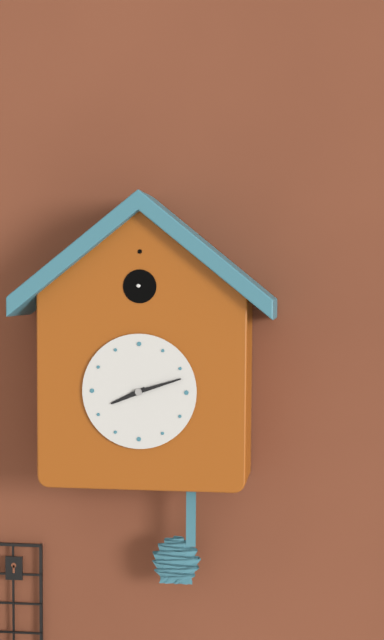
8h12
